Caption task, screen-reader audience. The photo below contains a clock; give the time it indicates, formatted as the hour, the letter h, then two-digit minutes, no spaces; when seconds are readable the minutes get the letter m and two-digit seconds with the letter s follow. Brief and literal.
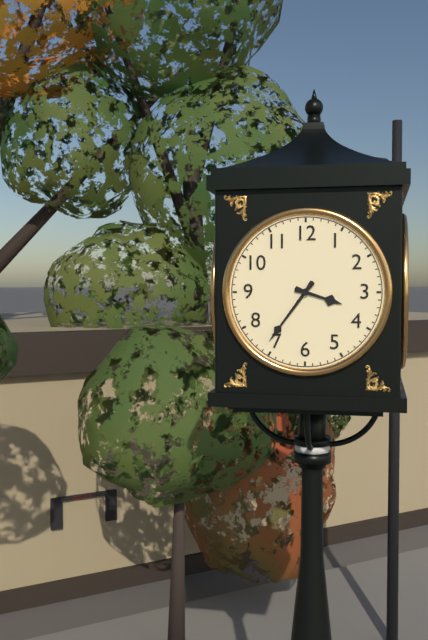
3h36
